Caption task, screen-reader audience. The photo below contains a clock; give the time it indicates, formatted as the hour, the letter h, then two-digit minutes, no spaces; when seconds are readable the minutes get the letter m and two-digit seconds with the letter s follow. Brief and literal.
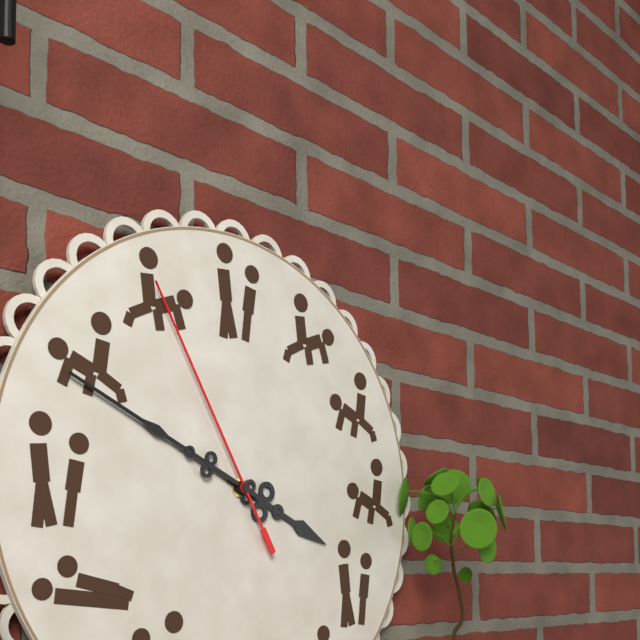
3h49m55s
